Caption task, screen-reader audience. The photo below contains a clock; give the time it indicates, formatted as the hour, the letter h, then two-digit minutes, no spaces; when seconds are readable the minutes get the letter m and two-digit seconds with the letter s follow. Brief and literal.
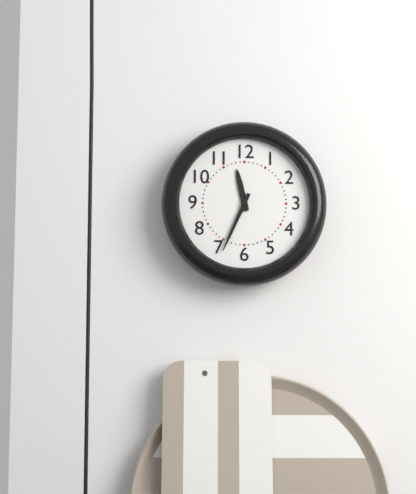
11h34
